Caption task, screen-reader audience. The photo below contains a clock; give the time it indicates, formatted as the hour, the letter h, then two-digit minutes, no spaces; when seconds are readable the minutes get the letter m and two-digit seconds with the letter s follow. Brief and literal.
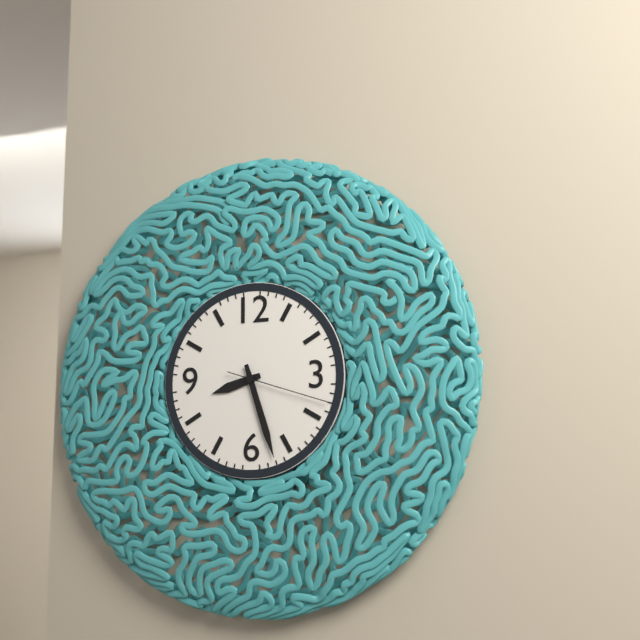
8h27m18s
